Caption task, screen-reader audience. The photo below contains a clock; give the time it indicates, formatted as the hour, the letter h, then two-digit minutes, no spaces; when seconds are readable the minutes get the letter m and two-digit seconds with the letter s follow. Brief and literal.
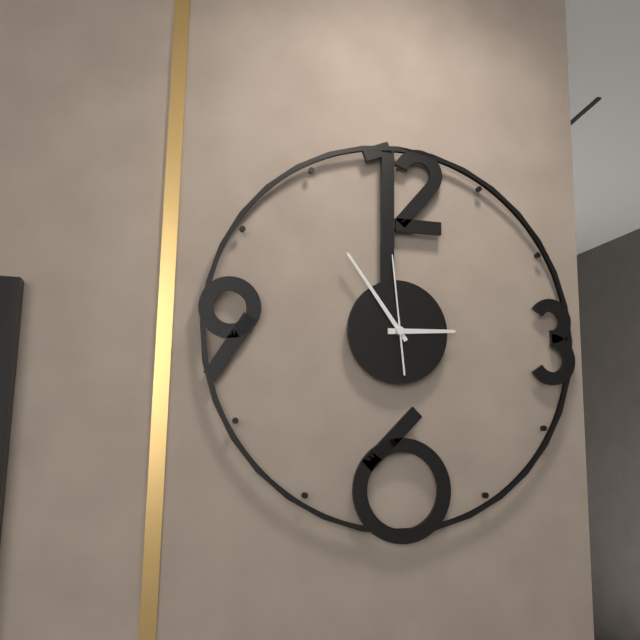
2h54m59s
